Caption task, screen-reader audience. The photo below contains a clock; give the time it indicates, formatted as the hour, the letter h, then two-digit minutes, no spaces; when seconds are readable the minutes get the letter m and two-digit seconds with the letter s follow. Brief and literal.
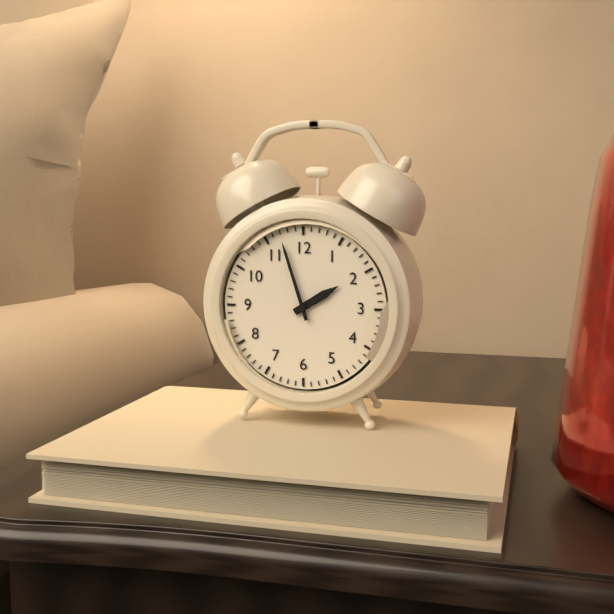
1h57
